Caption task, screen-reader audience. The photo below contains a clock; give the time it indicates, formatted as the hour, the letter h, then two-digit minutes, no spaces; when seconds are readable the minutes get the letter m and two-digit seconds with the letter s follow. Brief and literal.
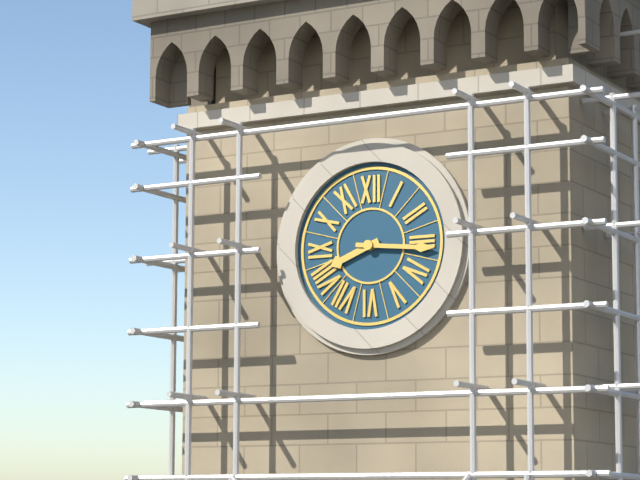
8h16
